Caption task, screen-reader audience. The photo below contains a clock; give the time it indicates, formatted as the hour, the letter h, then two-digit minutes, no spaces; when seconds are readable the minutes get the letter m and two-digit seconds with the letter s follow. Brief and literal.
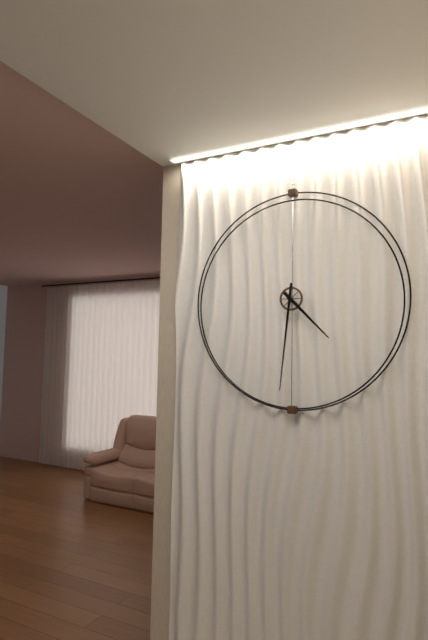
4h31
